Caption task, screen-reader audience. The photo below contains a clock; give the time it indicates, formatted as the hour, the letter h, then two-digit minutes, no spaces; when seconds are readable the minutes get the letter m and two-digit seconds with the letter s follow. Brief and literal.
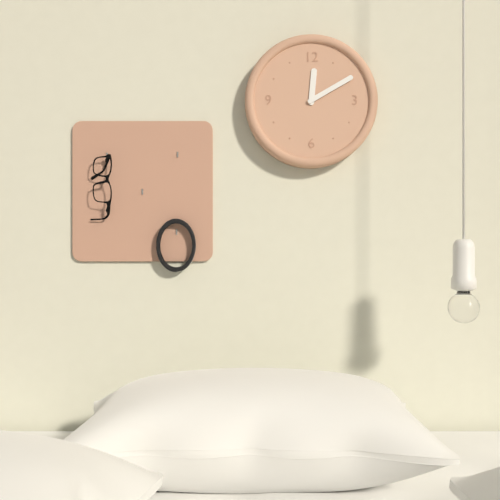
12h10
